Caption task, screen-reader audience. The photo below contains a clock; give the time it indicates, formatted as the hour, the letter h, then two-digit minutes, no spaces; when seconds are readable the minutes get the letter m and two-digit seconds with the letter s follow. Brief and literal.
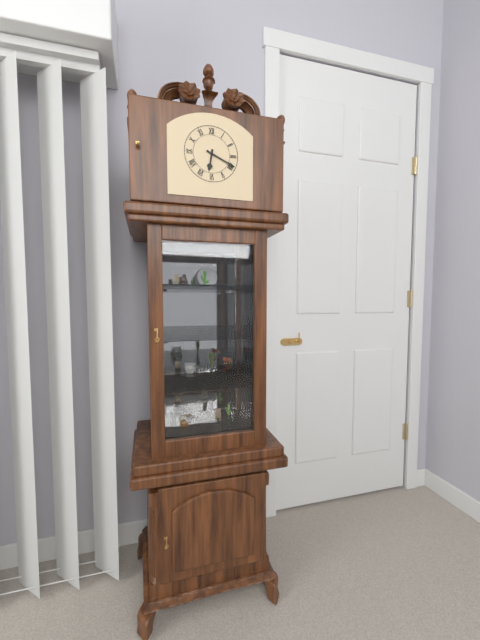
6h19
